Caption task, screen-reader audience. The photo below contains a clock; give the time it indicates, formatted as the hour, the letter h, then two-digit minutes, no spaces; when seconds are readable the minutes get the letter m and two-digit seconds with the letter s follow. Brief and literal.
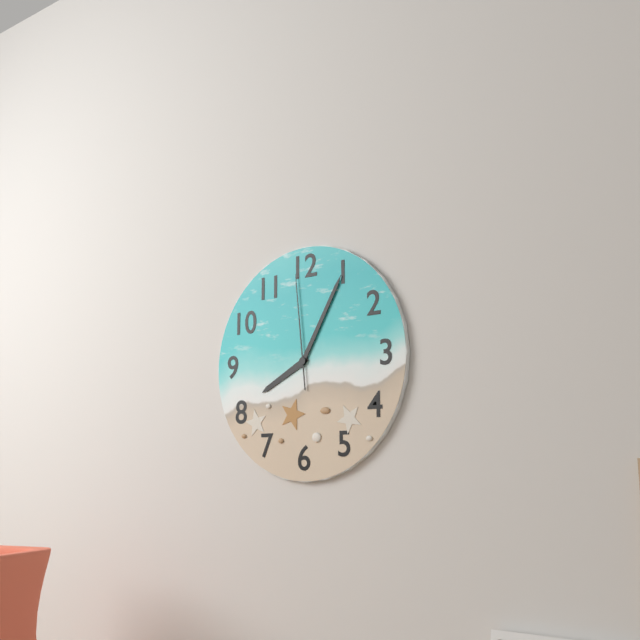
8h05m59s
